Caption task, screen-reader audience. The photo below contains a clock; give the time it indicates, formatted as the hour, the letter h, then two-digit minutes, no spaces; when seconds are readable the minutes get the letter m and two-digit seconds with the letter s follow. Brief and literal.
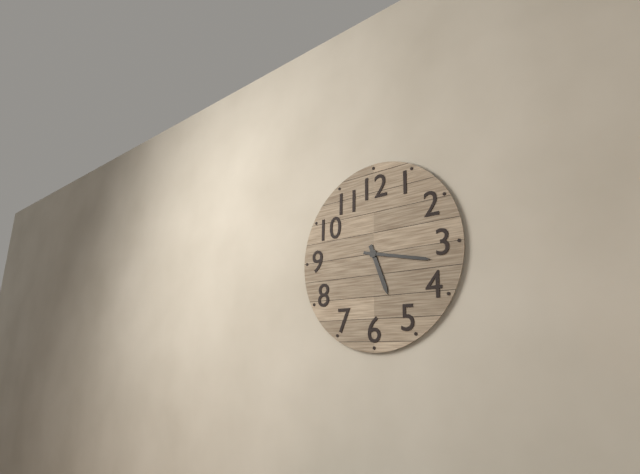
5h17
